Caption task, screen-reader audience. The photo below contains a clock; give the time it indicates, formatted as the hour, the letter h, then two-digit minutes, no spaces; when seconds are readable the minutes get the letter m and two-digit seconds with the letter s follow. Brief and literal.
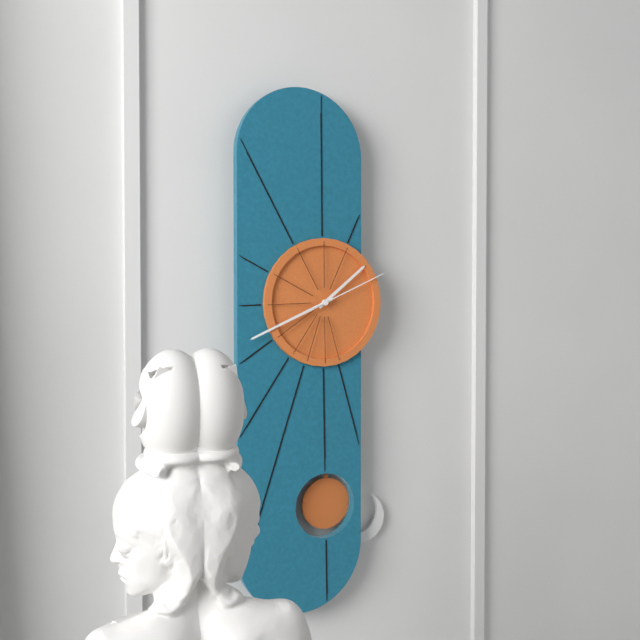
1h41m11s
